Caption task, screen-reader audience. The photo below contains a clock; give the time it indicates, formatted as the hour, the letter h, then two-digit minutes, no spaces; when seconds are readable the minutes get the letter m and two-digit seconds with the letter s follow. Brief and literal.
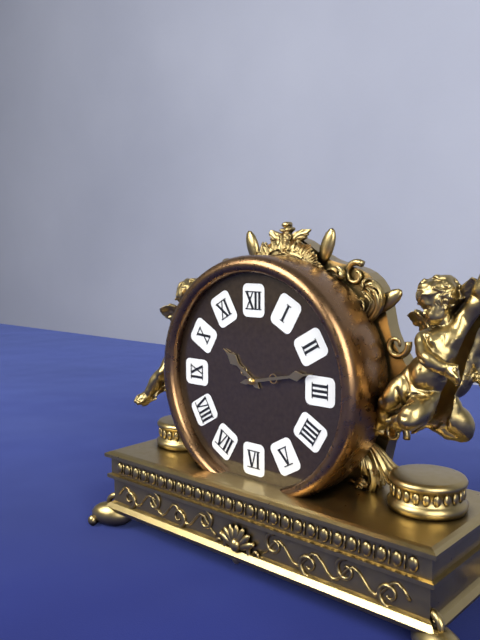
10h13
